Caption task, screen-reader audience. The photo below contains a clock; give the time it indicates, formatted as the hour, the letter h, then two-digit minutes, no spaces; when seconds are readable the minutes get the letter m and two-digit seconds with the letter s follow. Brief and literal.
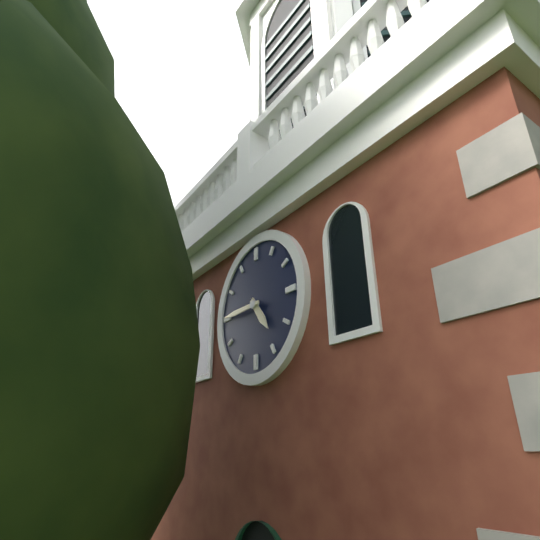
4h45
